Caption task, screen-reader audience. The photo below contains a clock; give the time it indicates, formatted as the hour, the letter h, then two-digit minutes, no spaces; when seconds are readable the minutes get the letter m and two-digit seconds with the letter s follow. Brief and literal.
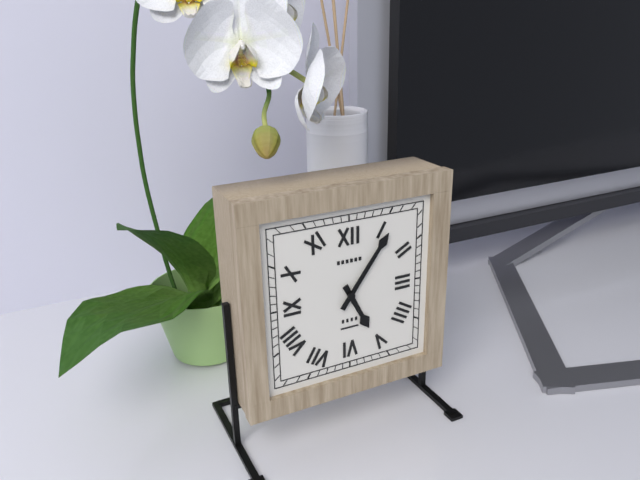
5h06
